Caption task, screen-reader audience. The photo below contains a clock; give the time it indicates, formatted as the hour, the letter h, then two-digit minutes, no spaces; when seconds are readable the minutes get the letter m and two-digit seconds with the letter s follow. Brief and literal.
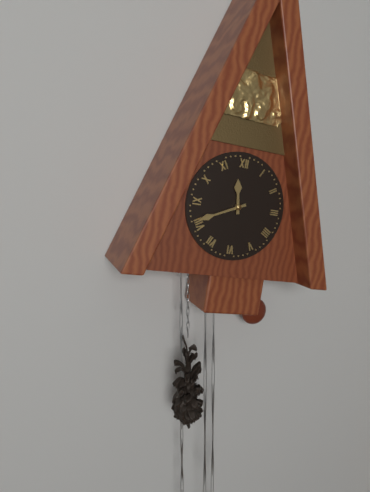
11h41
